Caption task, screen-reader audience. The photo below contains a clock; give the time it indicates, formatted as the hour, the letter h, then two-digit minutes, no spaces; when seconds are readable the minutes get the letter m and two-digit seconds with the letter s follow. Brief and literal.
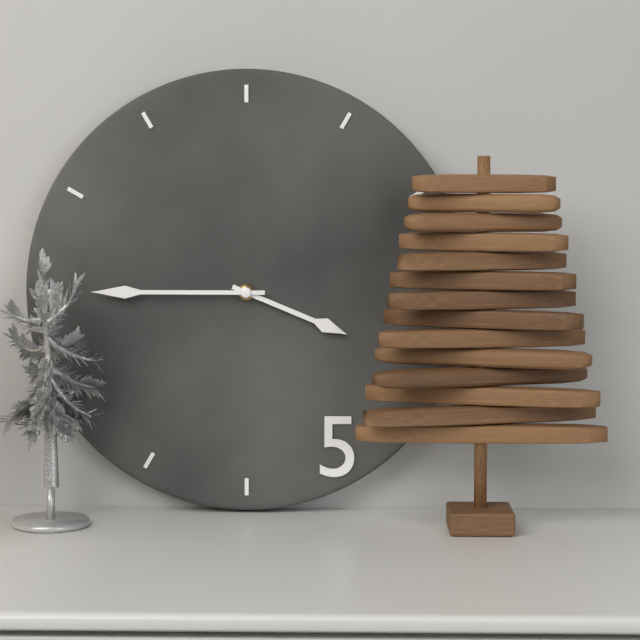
3h45
